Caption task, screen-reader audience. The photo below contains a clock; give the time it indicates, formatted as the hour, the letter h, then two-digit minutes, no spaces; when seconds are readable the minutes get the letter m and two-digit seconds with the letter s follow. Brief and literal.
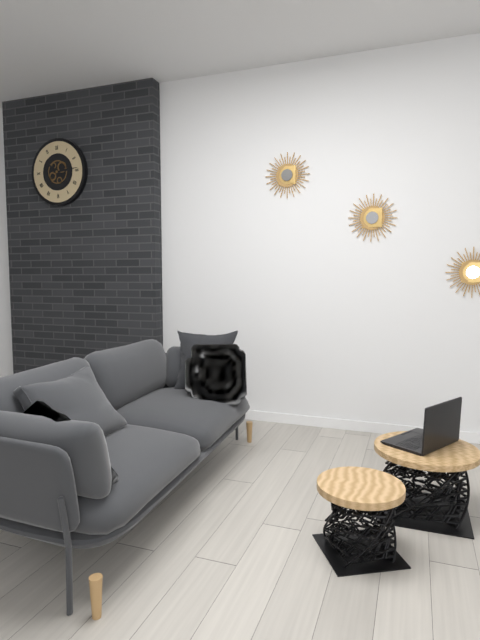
10h14
